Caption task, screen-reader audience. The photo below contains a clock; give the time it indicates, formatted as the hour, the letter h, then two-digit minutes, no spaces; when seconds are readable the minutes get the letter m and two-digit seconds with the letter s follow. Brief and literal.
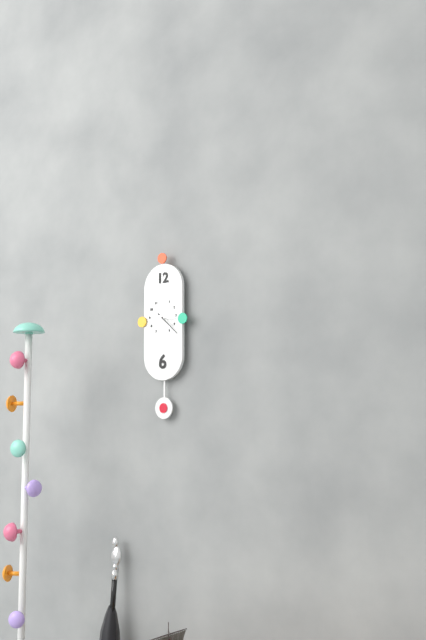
3h22
